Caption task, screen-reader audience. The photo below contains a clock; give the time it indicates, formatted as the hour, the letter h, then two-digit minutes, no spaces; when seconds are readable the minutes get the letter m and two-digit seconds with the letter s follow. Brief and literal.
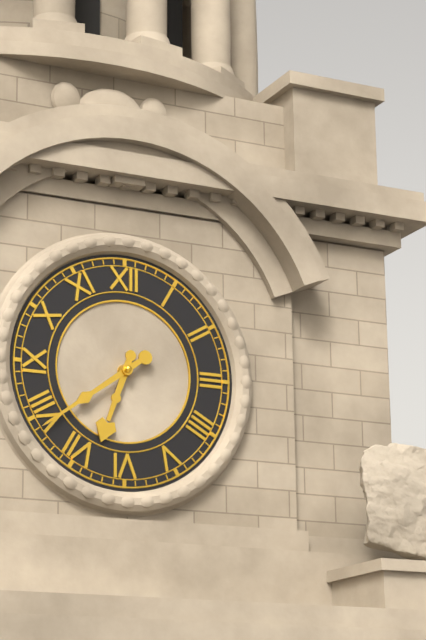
6h39
